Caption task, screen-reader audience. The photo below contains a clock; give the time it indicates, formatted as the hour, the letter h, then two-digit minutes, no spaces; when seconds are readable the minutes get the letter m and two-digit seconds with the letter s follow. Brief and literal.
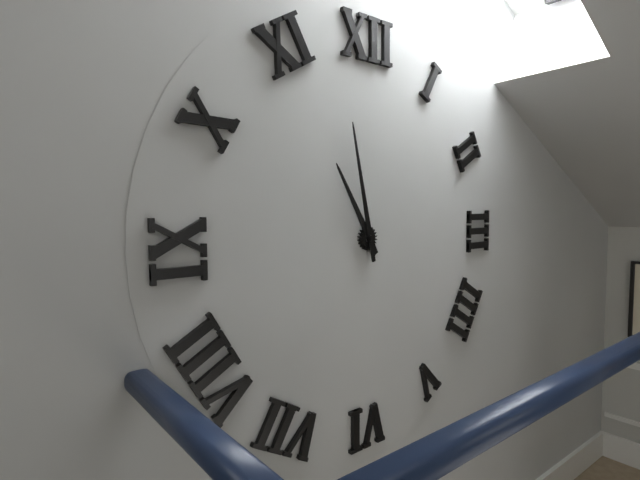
10h58
